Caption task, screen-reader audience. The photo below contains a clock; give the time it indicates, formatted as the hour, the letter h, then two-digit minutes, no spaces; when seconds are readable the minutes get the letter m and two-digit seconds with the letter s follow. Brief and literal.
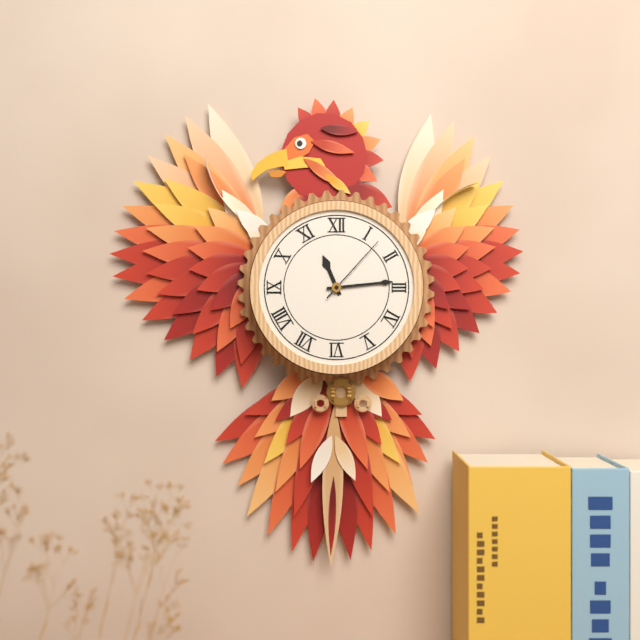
11h14m07s
